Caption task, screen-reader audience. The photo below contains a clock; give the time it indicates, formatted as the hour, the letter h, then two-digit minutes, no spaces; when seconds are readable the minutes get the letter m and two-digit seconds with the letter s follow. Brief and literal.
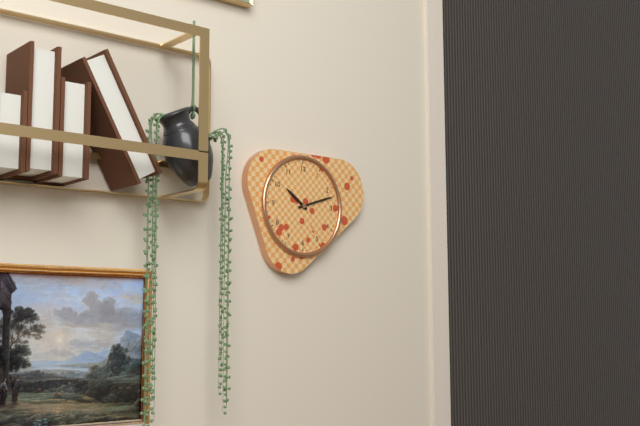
10h12
